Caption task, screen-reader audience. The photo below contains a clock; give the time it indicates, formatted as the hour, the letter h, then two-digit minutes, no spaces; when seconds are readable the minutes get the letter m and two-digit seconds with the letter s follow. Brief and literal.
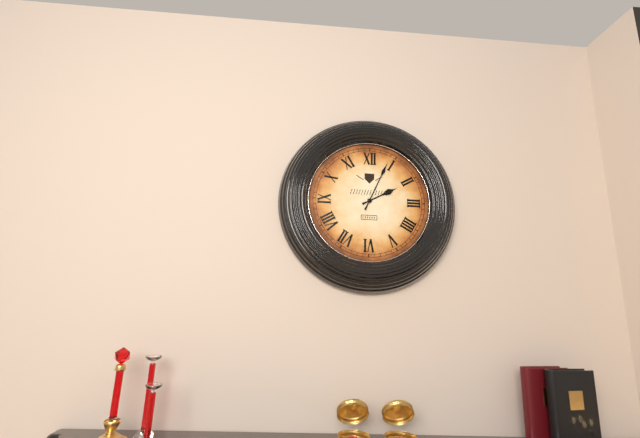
2h04
